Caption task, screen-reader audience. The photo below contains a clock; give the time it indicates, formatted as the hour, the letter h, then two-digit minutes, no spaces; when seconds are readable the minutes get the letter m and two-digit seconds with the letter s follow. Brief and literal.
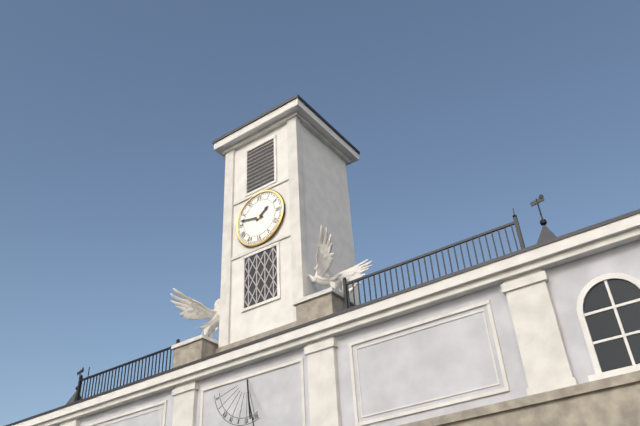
1h47
